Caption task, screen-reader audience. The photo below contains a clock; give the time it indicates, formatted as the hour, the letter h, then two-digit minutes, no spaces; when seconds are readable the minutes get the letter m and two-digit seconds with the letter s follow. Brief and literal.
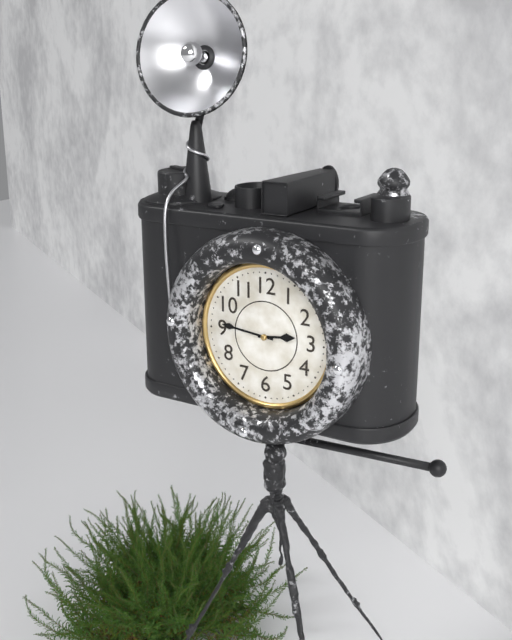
2h46
